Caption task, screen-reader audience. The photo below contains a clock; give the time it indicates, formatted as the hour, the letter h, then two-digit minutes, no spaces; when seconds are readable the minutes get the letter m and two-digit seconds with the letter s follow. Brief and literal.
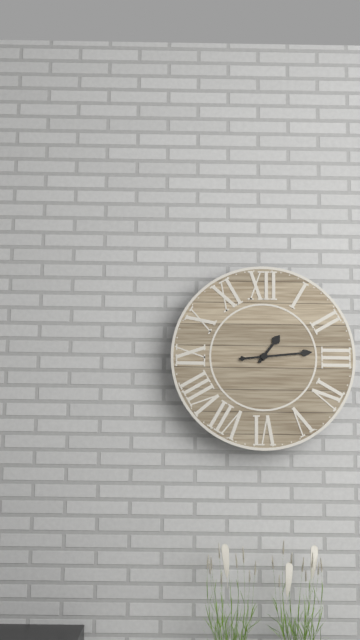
1h14
